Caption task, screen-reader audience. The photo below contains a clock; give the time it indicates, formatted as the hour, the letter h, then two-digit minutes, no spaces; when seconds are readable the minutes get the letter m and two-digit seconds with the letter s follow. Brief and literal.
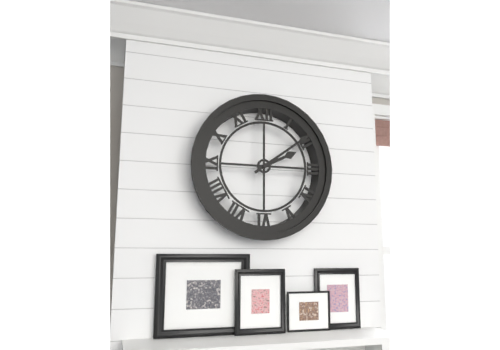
2h09
